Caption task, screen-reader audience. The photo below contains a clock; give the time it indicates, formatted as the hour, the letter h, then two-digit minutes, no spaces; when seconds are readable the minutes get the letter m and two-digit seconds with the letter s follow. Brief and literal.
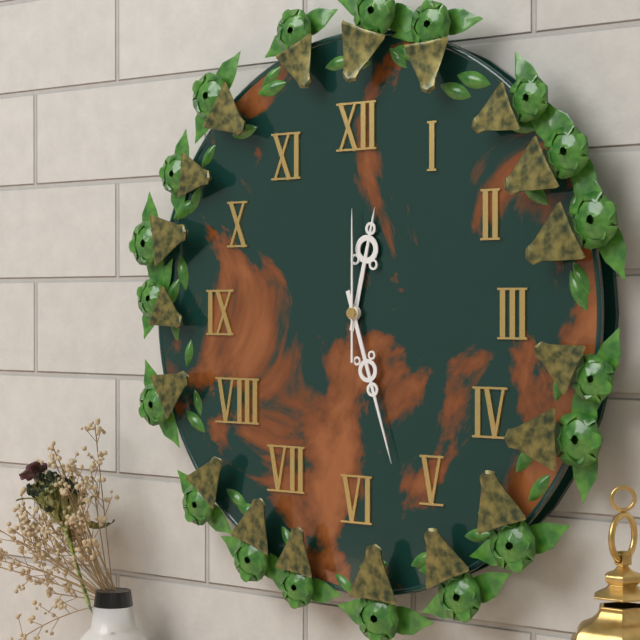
12h27m00s
